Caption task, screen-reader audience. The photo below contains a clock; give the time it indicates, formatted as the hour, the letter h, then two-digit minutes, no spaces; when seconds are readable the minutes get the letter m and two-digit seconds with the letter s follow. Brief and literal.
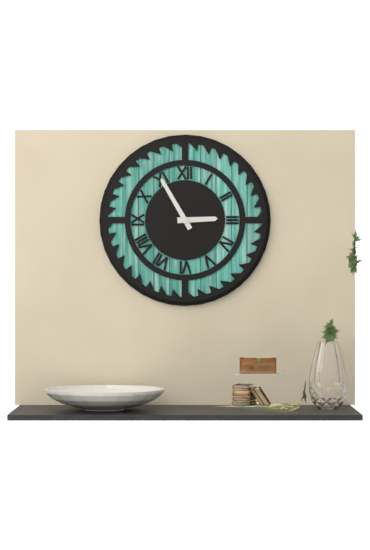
2h55
